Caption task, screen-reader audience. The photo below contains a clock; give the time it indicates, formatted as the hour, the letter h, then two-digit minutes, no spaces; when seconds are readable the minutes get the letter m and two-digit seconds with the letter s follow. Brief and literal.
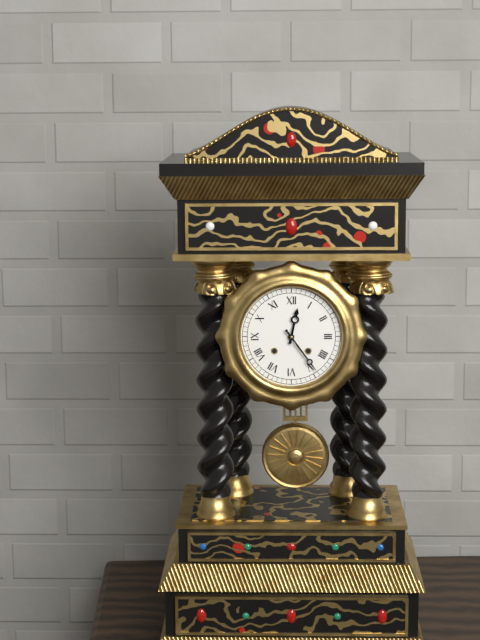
12h24
